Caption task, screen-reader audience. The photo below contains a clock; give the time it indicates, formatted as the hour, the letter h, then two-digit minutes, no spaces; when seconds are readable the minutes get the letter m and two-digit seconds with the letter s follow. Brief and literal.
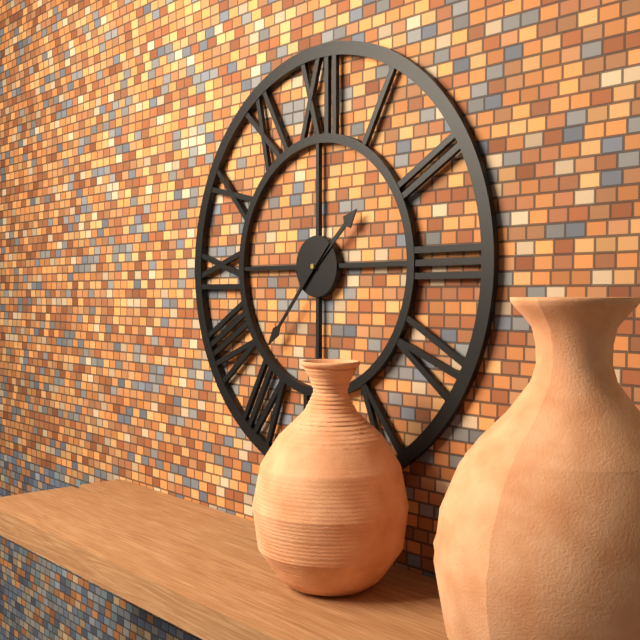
1h37
